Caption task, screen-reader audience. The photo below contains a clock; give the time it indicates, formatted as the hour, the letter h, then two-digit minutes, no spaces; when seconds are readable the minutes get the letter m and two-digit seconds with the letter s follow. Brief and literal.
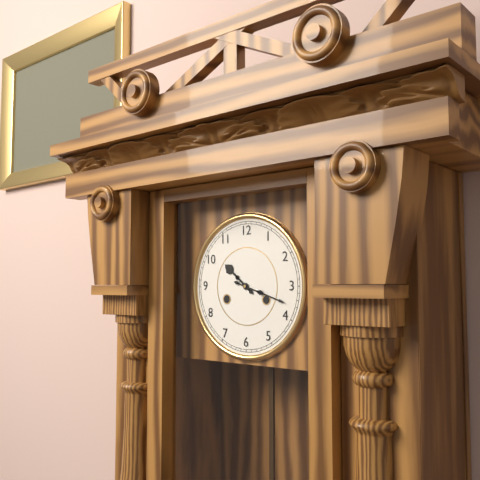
10h18
